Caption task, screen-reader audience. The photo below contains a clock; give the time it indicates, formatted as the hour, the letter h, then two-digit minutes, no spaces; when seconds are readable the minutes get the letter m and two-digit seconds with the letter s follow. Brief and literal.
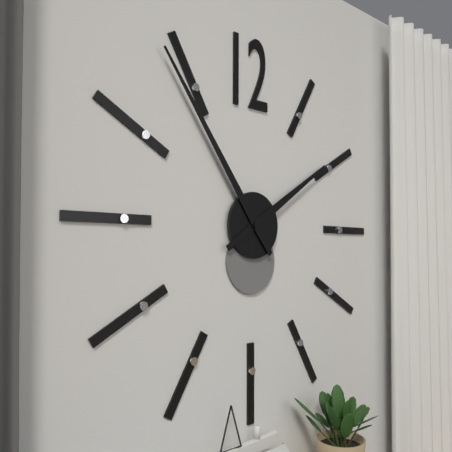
1h54
